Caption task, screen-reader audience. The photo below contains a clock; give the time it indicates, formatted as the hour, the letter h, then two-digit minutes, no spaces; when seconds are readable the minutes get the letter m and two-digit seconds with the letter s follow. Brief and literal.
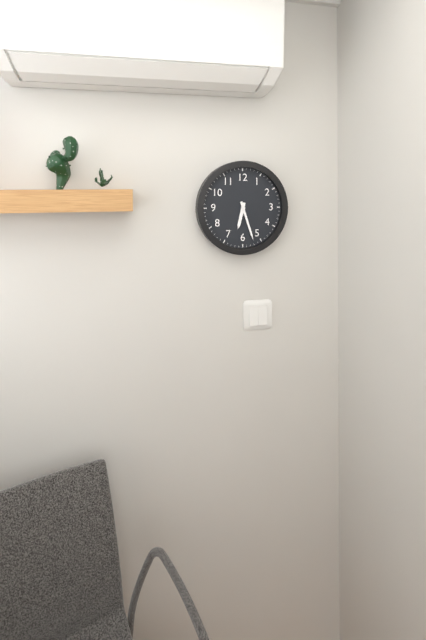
6h27
